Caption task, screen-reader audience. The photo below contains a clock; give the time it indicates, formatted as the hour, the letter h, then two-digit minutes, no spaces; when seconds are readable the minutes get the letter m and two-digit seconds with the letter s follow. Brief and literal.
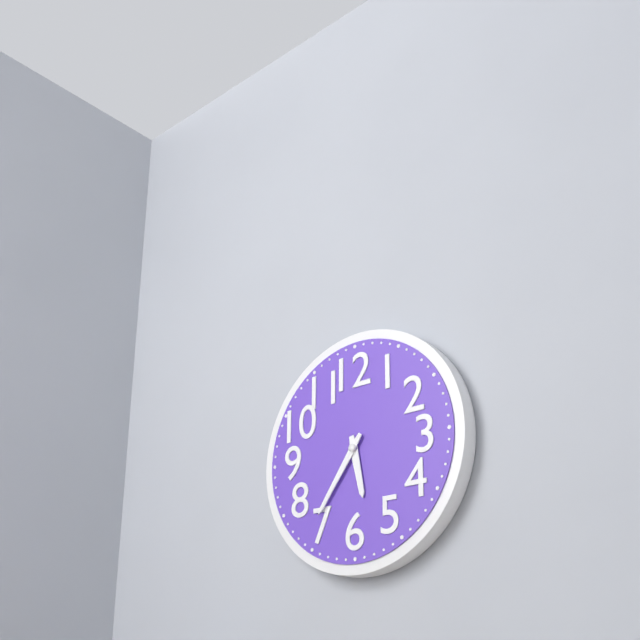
5h36
